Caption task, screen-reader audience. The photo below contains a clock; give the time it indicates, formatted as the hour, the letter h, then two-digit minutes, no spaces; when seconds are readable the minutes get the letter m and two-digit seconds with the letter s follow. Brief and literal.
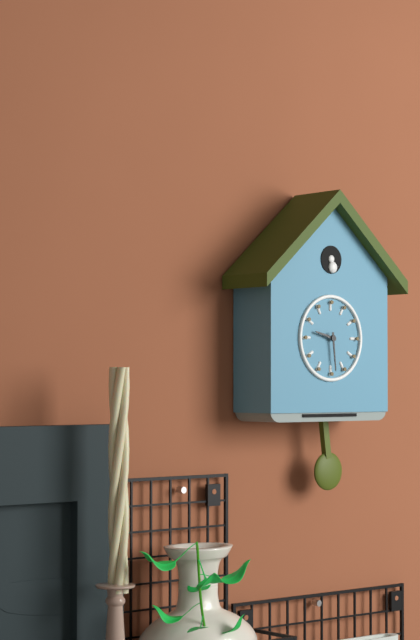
9h29
